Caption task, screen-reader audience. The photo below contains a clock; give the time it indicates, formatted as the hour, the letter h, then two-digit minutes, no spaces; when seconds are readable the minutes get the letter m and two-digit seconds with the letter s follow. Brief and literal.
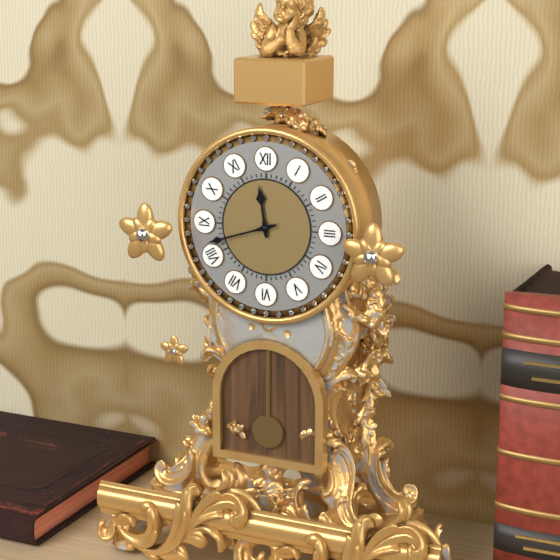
11h42
